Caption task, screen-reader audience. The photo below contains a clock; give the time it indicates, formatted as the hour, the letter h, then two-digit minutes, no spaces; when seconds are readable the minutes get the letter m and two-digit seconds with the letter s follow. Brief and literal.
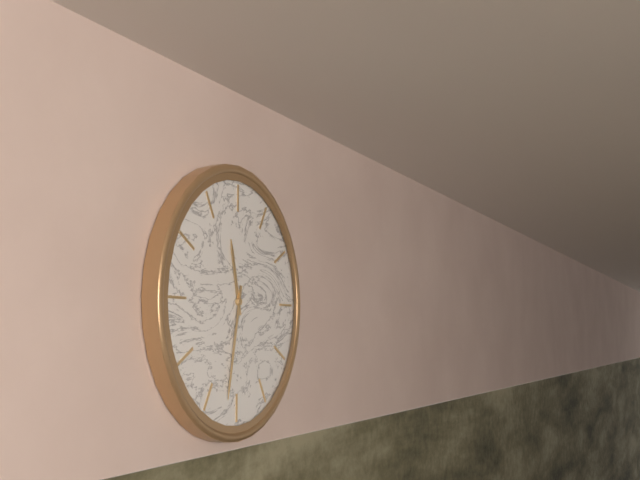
11h32
